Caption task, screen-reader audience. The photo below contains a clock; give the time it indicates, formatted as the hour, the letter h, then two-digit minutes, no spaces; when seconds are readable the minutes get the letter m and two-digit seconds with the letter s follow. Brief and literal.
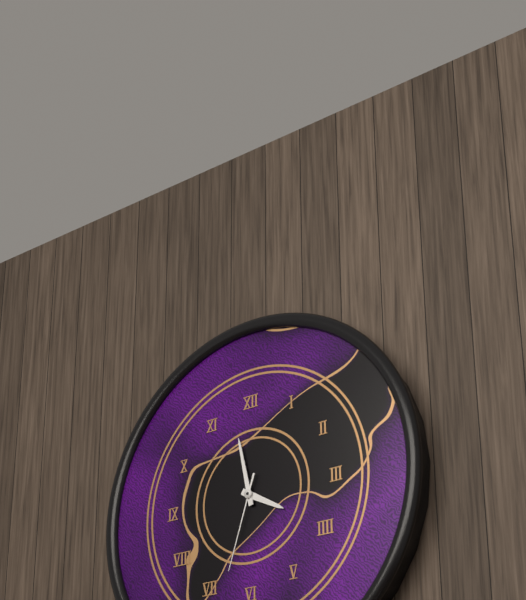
3h58m33s
